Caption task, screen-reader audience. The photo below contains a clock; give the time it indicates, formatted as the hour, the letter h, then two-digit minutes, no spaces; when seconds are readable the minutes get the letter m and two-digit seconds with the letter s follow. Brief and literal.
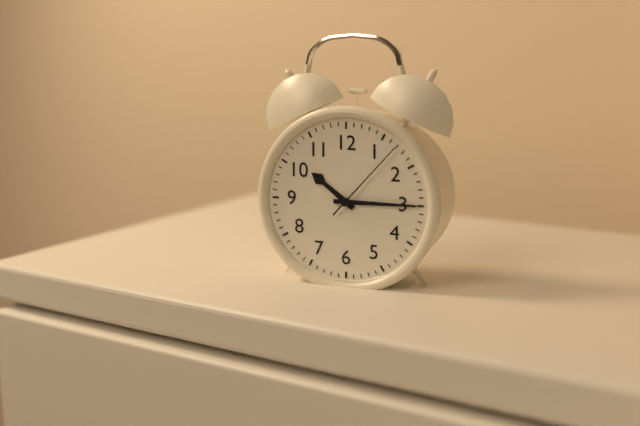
10h15m07s
